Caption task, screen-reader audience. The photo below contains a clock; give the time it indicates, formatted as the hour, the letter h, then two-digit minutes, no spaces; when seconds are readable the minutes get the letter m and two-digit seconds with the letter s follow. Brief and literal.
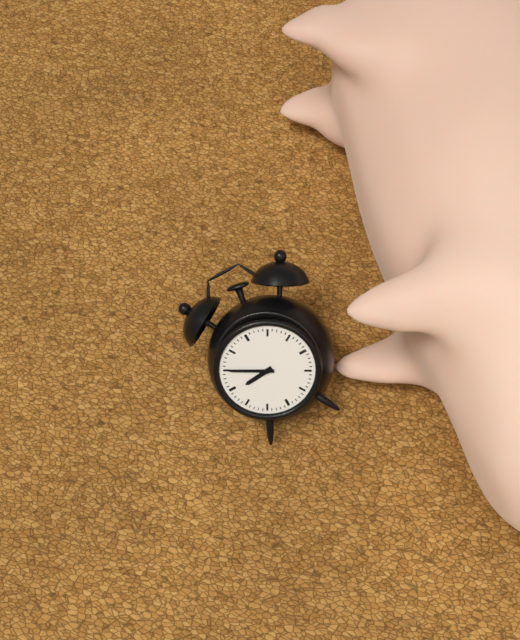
8h50
